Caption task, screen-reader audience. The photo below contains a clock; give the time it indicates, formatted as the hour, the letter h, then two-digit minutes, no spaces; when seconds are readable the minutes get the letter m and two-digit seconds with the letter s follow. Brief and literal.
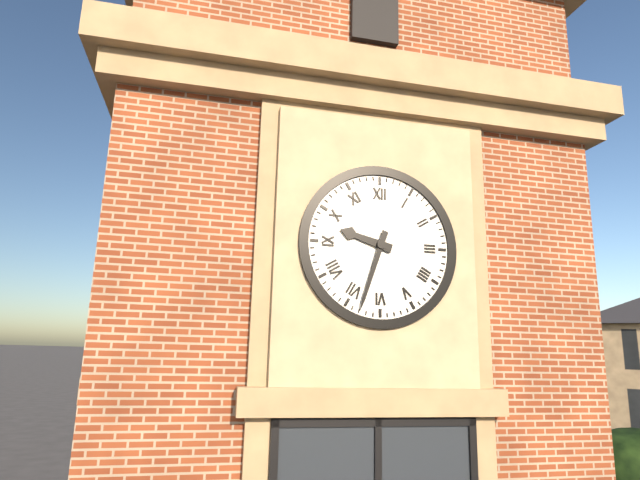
9h33
